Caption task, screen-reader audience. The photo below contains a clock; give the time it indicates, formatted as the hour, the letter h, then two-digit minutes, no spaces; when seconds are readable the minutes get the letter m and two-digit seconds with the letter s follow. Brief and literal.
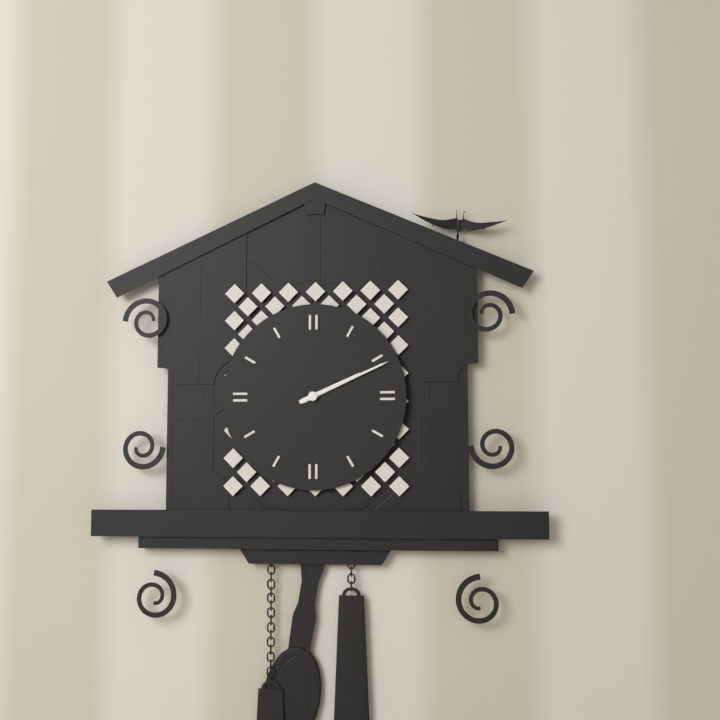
2h11
